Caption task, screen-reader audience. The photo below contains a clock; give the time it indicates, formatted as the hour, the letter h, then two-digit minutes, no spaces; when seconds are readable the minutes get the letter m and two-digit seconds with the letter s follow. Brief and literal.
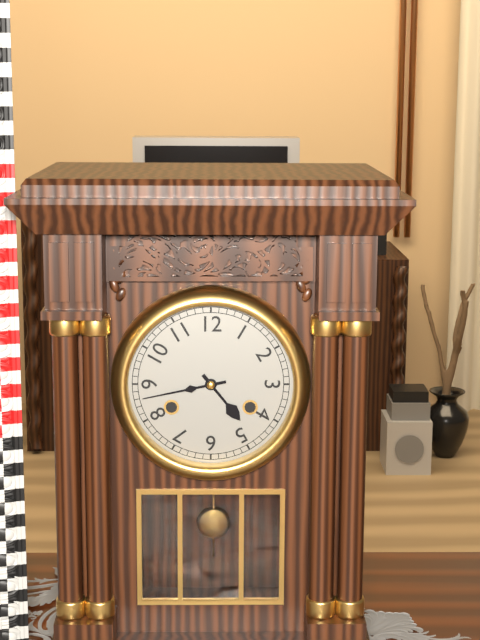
4h43
